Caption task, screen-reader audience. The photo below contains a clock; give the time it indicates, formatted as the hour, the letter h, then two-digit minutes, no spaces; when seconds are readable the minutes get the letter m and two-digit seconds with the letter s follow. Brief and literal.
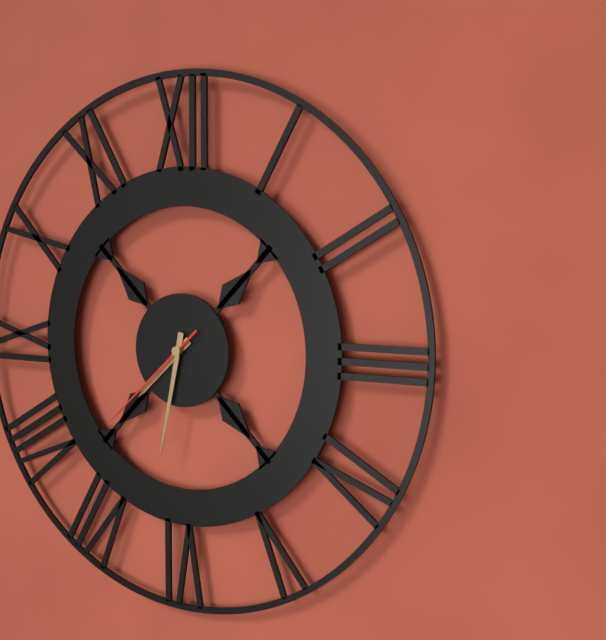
7h32m38s
